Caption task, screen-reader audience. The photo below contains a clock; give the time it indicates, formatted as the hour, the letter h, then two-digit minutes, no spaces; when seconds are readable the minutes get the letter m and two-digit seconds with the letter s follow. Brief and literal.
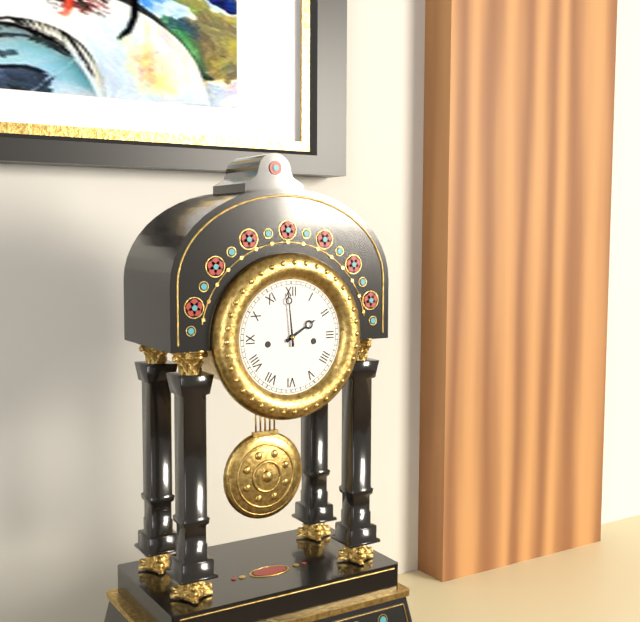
1h59
